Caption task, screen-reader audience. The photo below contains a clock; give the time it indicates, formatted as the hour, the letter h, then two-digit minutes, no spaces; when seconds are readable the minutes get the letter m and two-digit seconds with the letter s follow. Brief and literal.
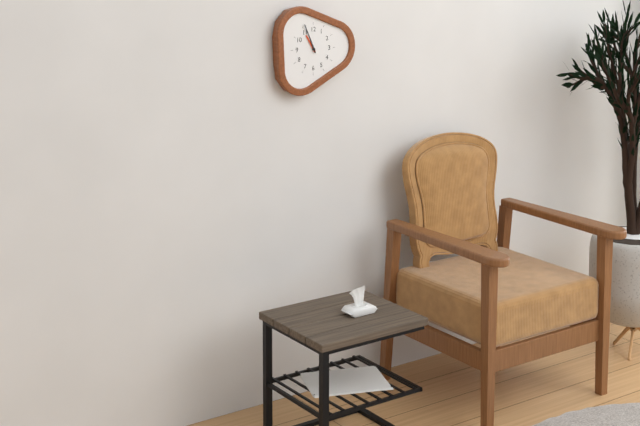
10h56
